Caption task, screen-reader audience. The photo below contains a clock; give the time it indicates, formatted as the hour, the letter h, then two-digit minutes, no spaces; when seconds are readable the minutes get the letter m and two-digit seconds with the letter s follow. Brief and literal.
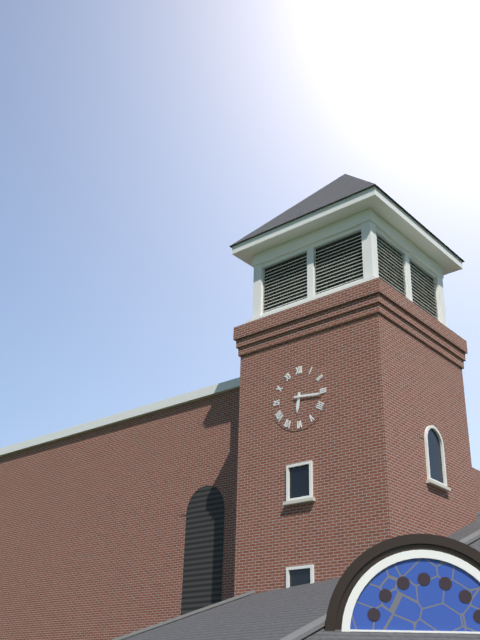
6h16
